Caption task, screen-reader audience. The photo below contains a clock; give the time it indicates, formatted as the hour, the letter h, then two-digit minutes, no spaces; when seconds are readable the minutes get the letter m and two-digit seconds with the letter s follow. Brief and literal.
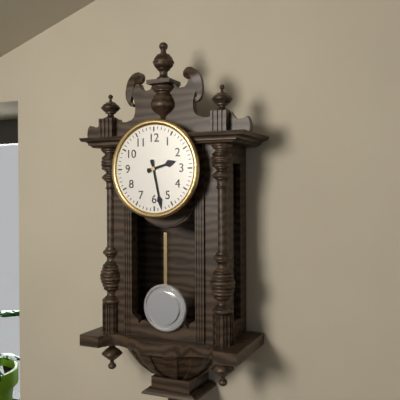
2h28
